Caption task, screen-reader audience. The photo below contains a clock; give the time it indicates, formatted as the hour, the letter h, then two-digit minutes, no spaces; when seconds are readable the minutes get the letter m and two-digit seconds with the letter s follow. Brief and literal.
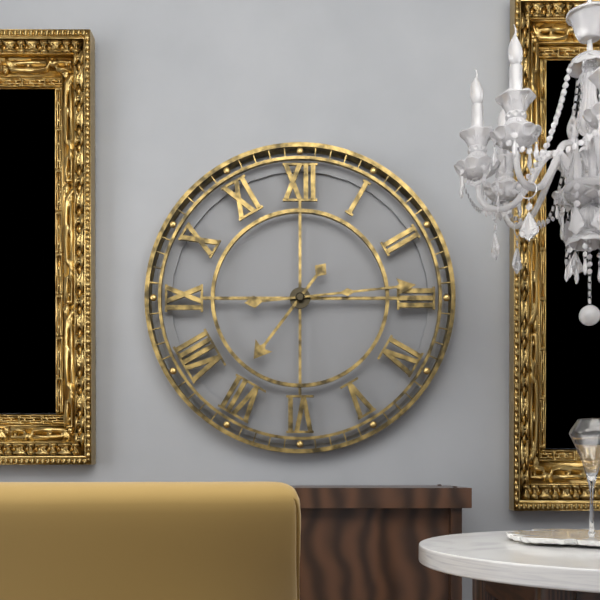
7h14
